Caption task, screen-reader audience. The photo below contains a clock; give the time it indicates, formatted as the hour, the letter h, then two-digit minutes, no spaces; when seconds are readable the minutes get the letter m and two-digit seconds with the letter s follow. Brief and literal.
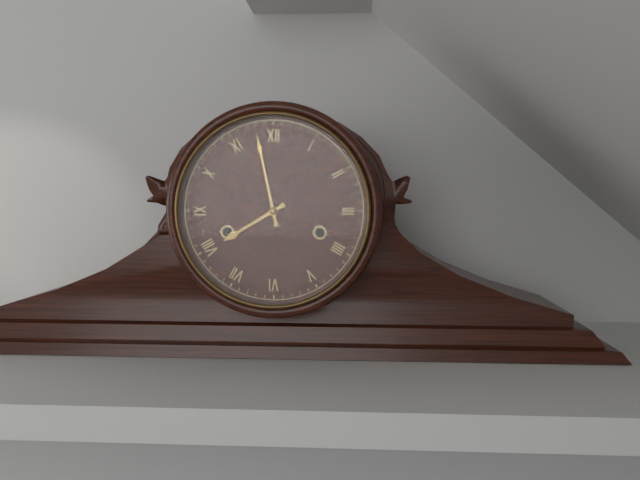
7h58
